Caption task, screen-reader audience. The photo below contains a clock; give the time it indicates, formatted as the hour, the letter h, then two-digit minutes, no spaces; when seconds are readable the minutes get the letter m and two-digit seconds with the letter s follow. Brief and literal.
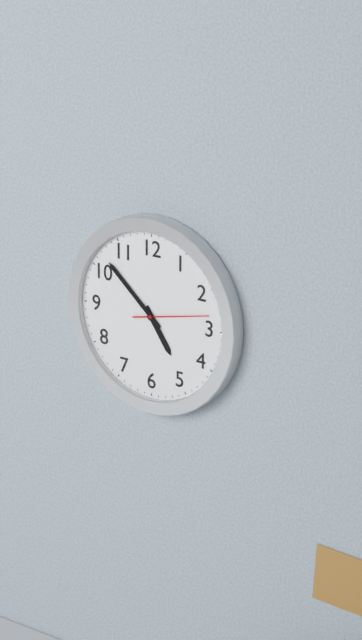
4h52m13s
